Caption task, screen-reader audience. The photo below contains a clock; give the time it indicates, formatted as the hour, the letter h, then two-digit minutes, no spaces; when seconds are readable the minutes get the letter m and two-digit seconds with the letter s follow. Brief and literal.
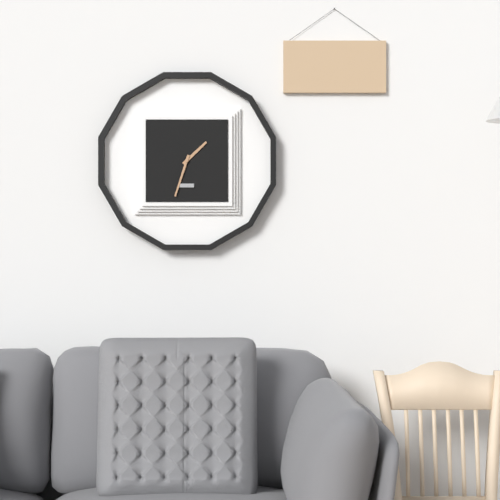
1h33
